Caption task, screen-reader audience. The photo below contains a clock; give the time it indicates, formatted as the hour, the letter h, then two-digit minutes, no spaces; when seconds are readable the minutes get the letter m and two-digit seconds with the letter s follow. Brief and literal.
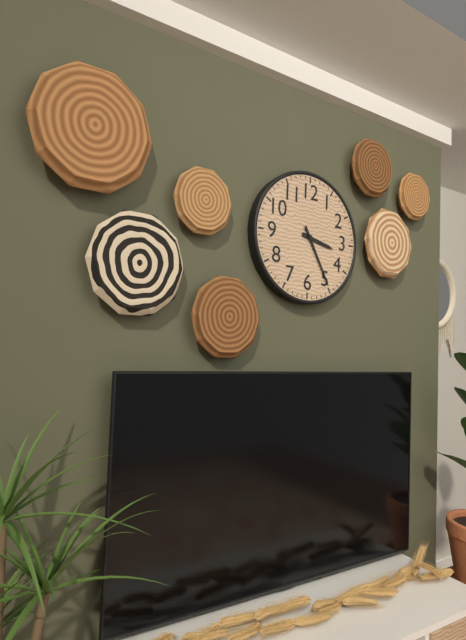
3h25
